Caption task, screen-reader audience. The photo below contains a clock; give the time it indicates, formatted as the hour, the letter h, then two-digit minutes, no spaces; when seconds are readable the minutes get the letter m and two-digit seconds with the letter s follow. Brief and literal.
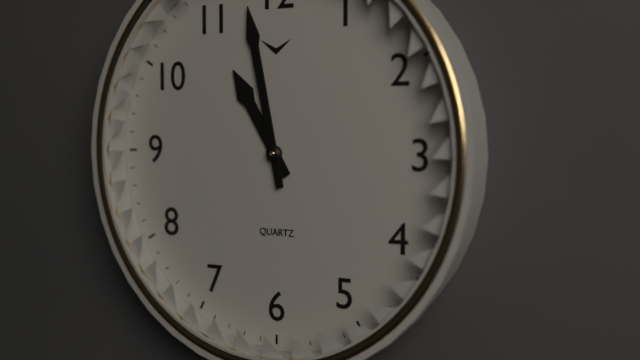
10h58
